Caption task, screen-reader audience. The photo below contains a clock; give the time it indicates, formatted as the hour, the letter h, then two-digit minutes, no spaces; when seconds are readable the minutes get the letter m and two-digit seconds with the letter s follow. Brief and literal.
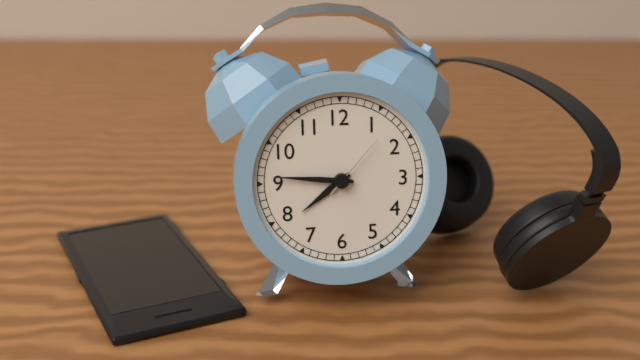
7h46m07s
